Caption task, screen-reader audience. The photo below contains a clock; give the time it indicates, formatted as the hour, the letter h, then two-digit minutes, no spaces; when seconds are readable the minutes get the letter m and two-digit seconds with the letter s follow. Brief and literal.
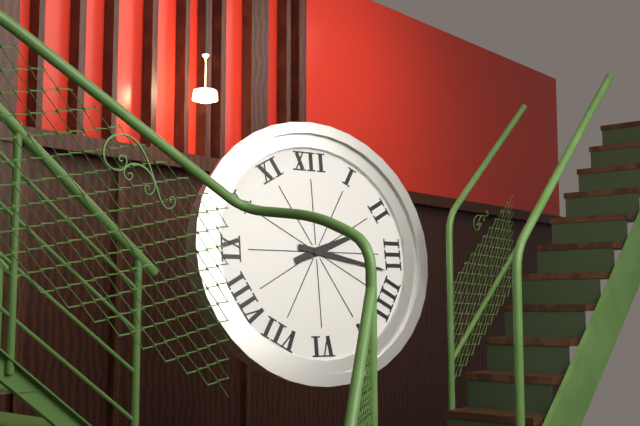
2h17
